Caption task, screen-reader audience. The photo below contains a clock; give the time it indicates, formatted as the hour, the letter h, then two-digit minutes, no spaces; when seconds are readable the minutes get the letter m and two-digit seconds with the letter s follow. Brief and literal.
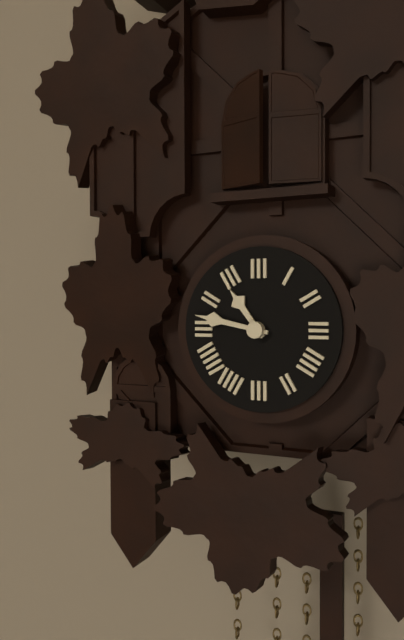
10h47
